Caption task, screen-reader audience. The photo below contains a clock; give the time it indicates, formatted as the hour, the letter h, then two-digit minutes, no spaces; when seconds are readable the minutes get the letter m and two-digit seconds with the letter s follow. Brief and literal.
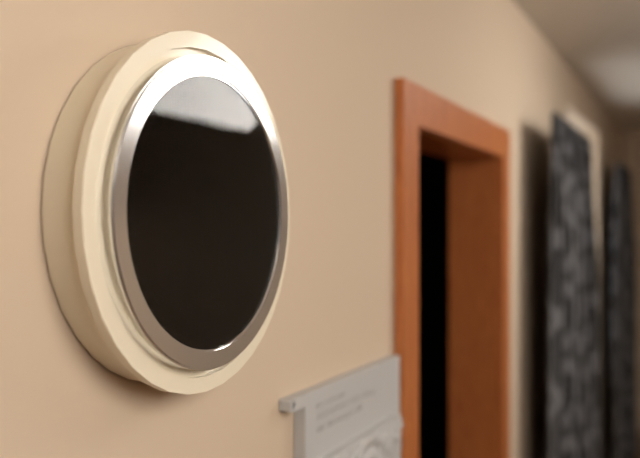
12h03
